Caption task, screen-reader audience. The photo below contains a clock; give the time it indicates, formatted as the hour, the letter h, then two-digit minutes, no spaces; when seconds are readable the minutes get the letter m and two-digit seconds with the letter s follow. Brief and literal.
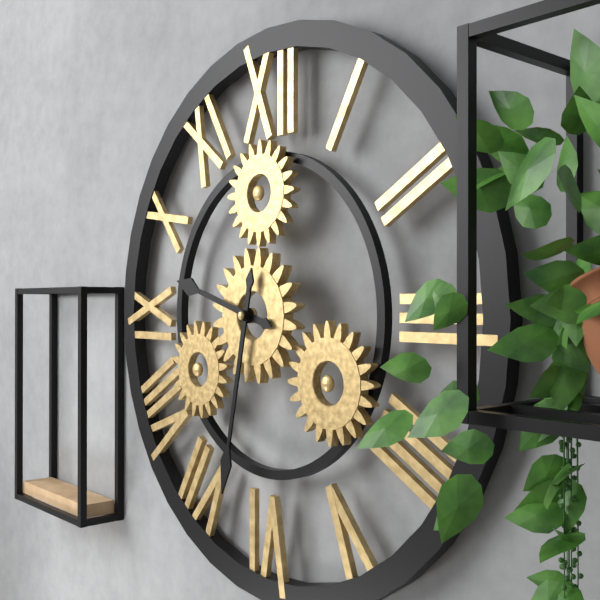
9h32
